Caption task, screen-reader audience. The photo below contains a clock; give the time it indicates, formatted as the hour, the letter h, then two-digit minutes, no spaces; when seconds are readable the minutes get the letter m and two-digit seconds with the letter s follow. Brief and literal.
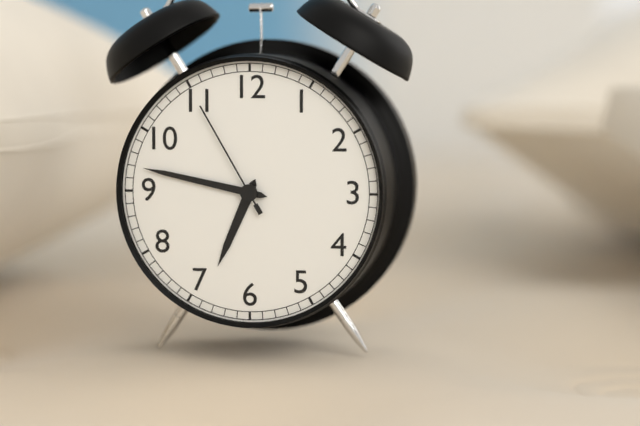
6h47m55s
